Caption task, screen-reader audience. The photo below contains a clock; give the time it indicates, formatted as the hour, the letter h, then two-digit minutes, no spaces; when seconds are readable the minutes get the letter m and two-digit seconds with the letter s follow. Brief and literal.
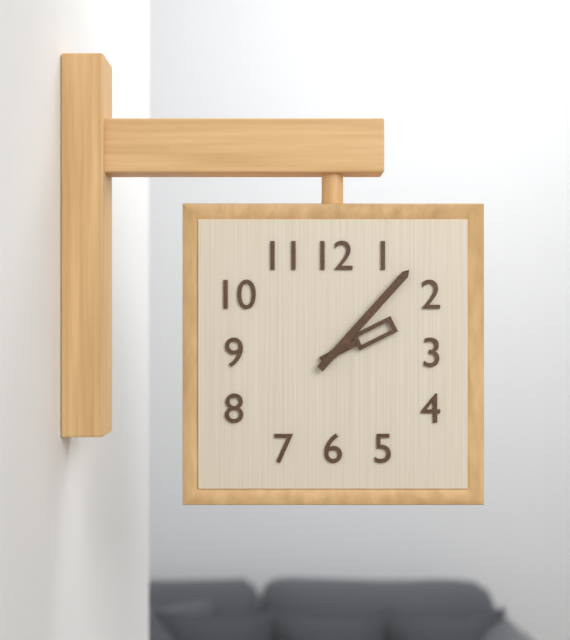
2h07
